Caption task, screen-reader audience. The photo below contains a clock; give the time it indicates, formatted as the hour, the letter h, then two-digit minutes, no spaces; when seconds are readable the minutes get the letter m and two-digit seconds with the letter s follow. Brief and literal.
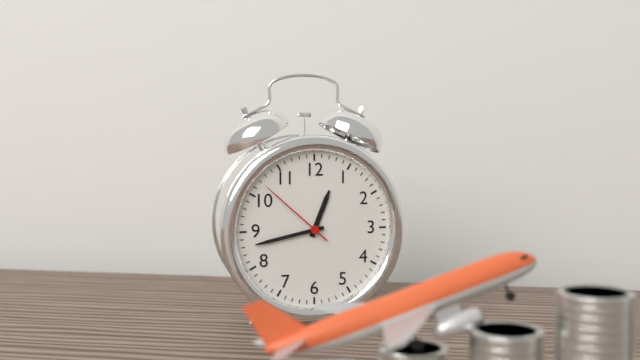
12h43m52s
